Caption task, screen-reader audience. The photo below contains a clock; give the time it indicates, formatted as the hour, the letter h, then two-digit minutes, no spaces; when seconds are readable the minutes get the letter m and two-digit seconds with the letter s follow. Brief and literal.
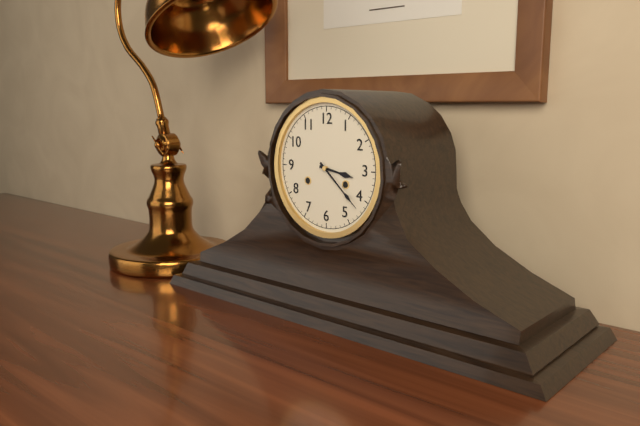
3h22
